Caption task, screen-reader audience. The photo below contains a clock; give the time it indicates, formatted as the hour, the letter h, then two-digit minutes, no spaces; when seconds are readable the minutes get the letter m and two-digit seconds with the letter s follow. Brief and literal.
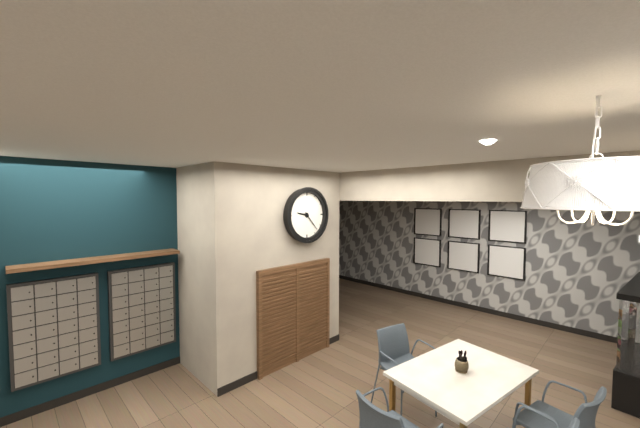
9h23
